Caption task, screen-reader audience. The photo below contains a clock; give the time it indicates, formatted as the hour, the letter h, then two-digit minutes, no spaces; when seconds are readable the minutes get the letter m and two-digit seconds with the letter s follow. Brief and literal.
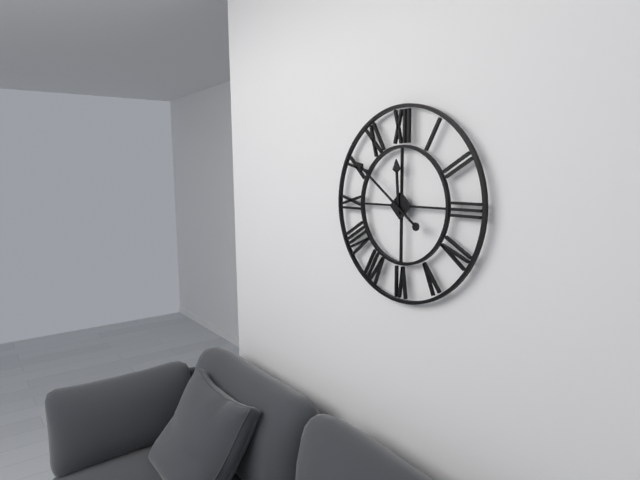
11h51
